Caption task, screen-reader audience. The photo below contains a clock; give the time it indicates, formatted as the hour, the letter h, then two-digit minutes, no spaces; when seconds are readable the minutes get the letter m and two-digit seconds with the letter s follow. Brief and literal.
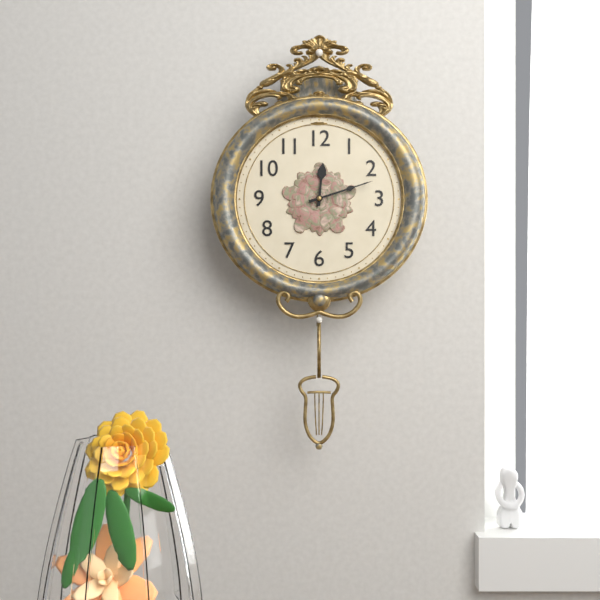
12h12
